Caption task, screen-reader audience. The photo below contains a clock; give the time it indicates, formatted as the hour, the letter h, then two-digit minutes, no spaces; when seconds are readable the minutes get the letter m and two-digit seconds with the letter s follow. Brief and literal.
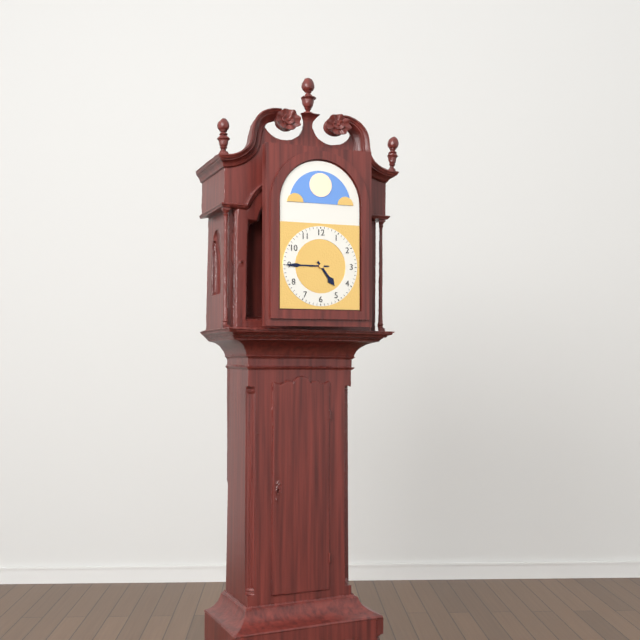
4h45
